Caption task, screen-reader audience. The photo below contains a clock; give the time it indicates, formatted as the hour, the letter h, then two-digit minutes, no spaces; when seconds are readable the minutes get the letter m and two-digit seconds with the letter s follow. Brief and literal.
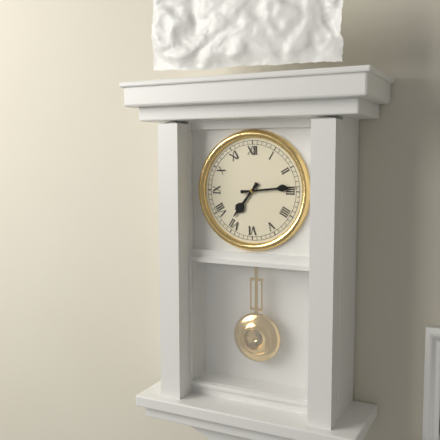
7h14
